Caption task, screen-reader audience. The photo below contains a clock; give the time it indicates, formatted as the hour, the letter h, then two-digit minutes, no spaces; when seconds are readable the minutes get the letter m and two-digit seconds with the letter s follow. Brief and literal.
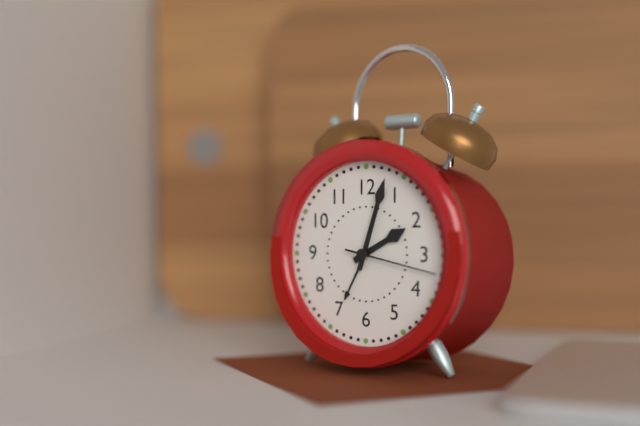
2h03m17s
